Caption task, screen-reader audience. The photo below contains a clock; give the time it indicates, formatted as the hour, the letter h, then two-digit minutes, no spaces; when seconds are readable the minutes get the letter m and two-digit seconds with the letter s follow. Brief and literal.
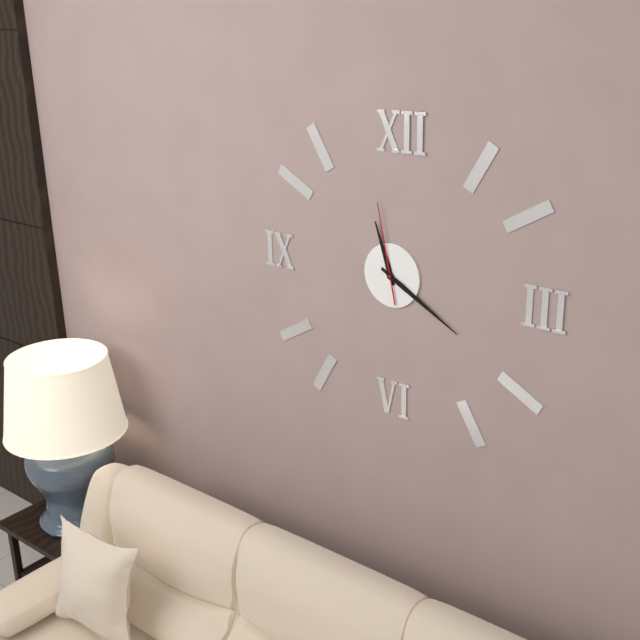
11h20m58s
